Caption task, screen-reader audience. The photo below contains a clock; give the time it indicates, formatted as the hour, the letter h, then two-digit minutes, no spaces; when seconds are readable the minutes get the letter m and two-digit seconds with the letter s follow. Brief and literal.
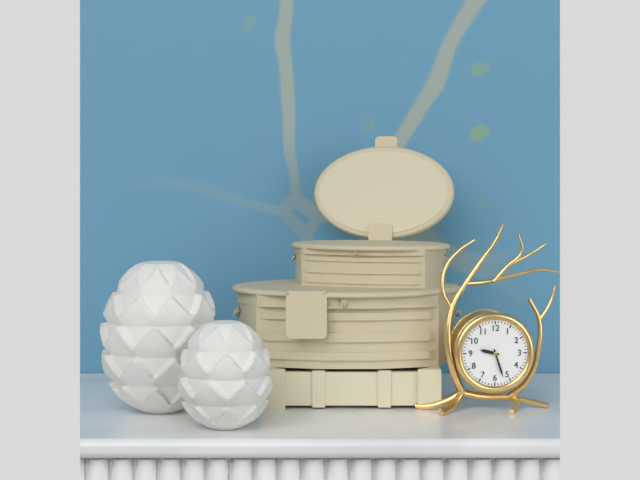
9h27
